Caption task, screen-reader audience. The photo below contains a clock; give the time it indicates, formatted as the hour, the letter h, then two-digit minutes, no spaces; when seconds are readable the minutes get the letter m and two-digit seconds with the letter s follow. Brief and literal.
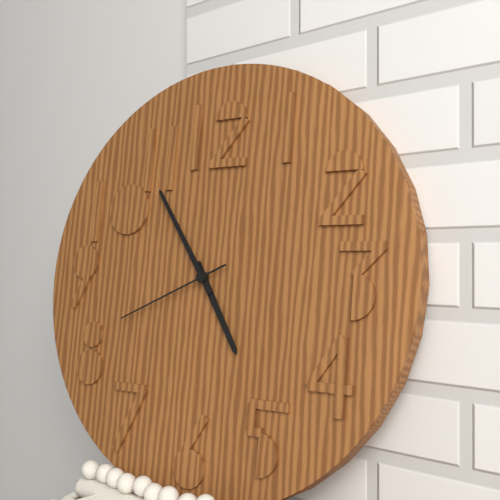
4h54m41s
